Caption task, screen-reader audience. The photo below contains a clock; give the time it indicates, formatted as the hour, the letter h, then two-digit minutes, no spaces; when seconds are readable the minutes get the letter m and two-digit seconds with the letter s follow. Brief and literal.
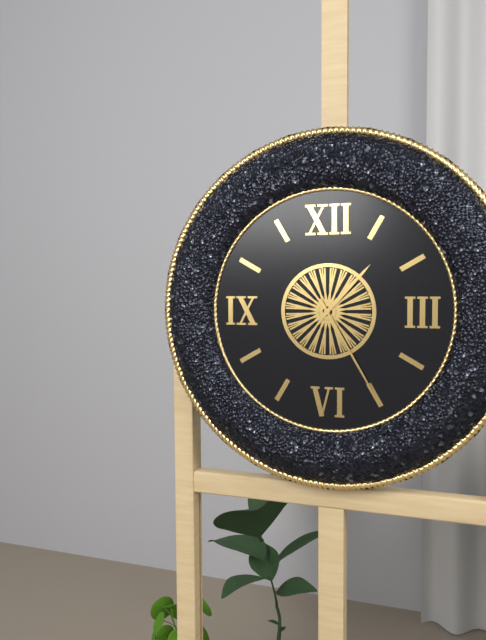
1h25
